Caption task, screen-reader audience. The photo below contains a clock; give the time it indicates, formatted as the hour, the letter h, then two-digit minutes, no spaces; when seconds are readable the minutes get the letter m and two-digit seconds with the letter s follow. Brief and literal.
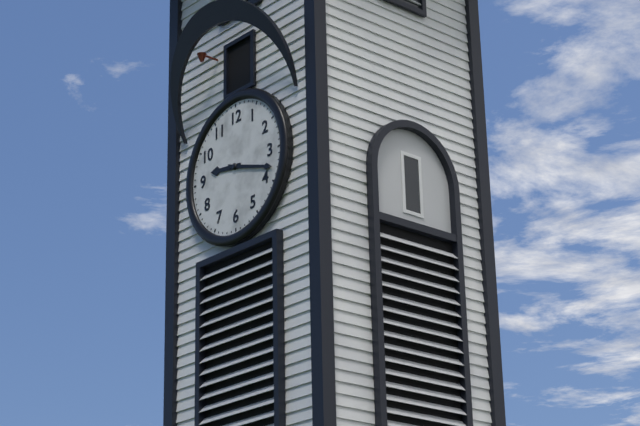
9h18
